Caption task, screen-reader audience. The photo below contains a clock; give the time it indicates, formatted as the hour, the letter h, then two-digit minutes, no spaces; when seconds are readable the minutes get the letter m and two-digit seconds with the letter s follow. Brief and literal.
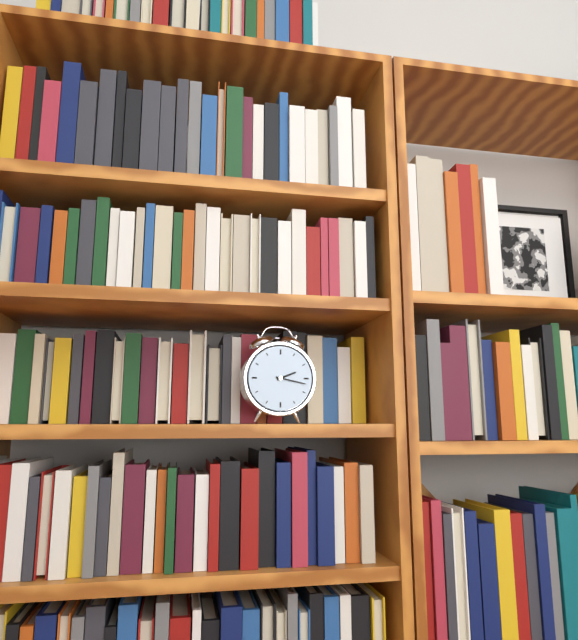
2h17
